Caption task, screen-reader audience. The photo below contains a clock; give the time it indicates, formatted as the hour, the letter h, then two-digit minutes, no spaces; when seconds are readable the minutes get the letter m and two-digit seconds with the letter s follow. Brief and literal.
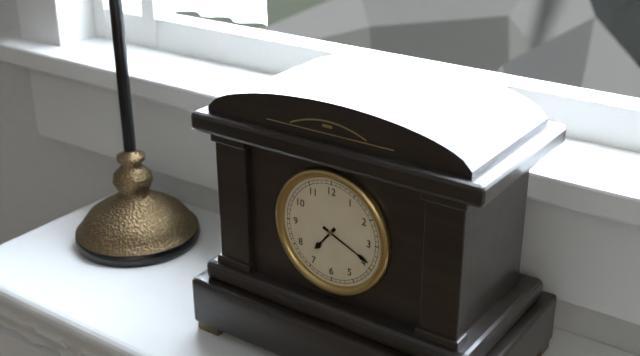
7h19
